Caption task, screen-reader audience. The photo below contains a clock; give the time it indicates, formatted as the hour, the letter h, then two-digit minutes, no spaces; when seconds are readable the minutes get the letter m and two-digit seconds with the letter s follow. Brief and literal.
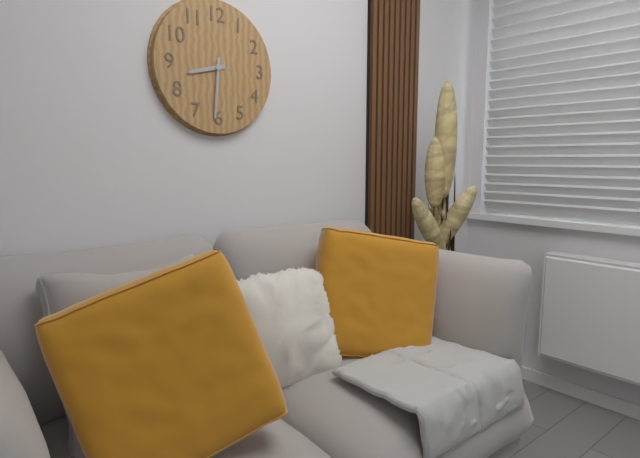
8h31
